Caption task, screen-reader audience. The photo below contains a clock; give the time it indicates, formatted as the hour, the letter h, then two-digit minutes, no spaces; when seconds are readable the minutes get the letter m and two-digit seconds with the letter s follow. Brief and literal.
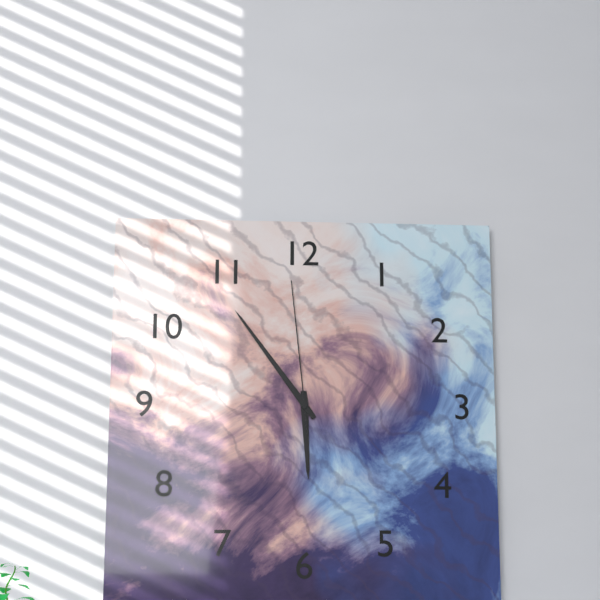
5h54m59s
